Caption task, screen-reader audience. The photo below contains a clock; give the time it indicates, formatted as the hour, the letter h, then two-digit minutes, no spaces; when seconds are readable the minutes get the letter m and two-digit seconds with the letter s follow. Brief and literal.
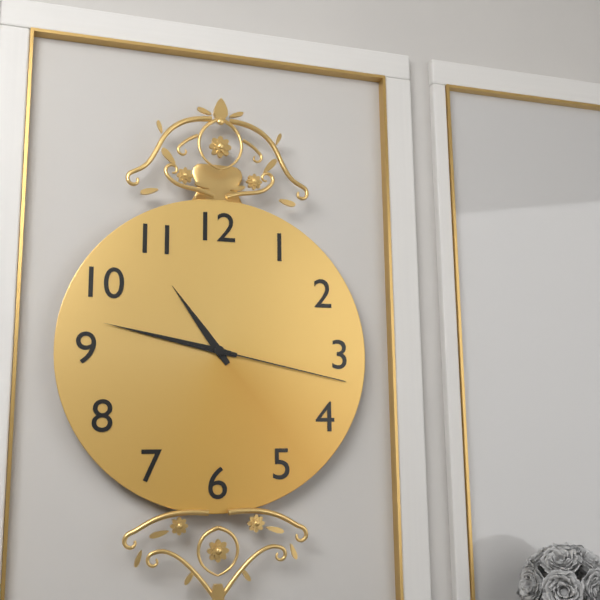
10h47m17s
